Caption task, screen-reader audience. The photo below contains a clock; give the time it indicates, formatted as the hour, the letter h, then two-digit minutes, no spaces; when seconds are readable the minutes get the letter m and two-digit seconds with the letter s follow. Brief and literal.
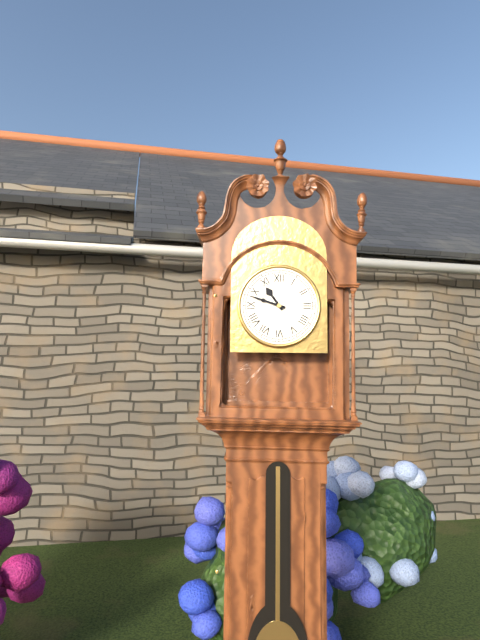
10h48
